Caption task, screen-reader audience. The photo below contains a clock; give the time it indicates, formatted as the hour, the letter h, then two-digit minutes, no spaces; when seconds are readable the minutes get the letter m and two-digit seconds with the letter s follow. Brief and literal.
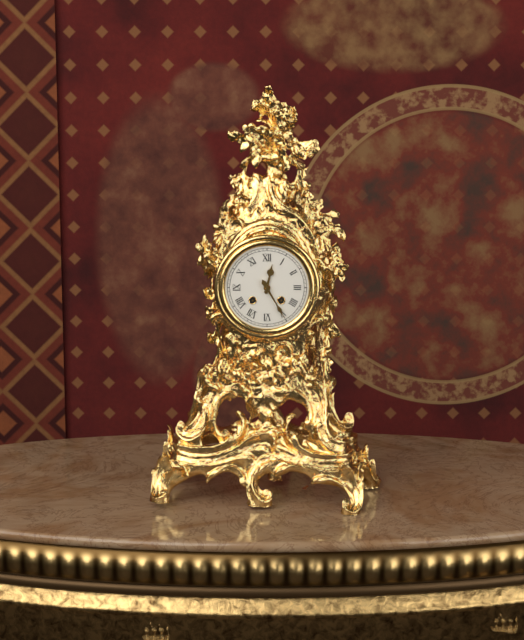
12h25
